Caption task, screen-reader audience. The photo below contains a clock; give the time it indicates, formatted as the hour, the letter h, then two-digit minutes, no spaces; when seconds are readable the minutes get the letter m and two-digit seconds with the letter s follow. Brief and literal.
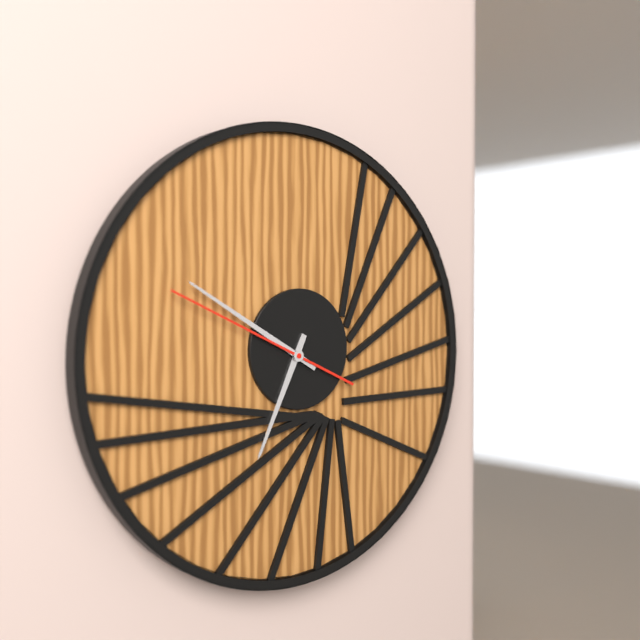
6h50m49s
